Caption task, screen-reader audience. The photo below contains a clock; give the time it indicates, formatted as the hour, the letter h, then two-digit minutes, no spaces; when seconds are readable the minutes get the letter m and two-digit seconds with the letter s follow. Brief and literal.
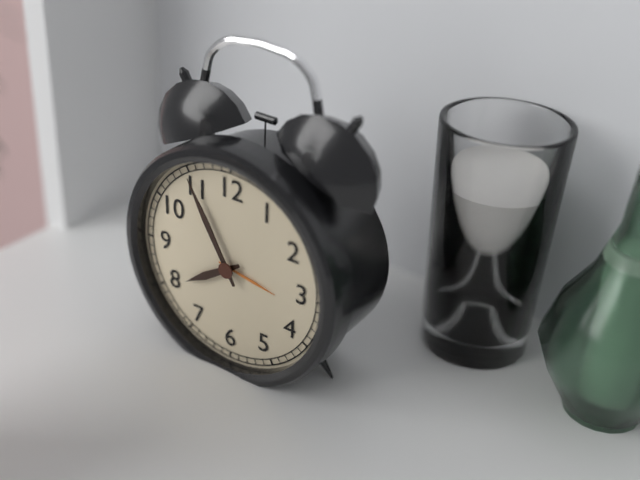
7h55
